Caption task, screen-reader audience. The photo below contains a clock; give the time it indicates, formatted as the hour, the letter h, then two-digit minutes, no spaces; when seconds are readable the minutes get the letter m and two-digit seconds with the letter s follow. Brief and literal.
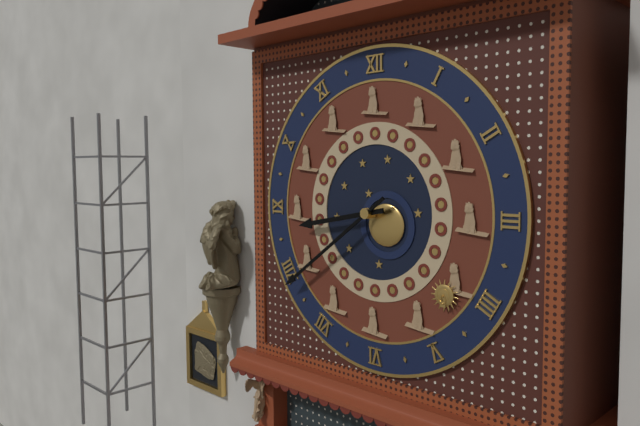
8h39
